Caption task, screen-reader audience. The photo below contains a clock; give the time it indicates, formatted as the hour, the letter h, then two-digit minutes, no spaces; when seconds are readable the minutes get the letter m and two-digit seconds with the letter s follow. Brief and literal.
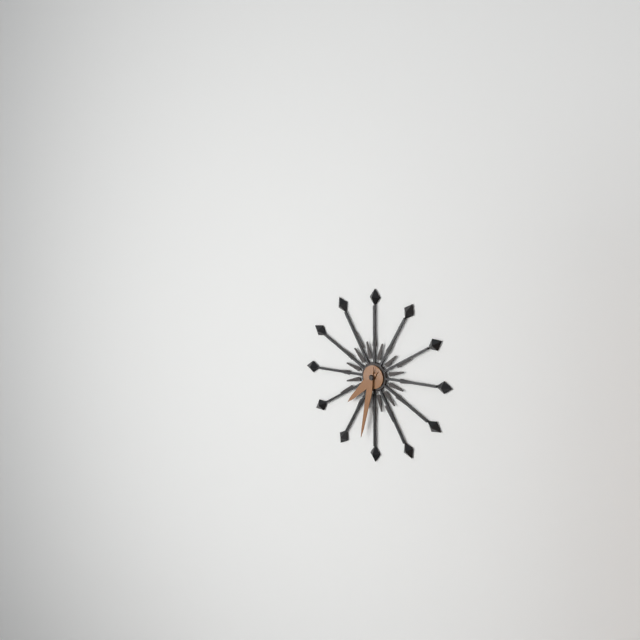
7h32
